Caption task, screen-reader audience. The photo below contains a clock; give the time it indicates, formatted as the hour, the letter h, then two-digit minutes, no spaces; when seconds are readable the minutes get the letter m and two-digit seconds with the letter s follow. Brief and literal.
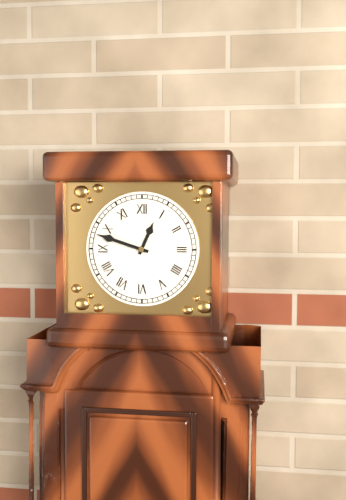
12h48
